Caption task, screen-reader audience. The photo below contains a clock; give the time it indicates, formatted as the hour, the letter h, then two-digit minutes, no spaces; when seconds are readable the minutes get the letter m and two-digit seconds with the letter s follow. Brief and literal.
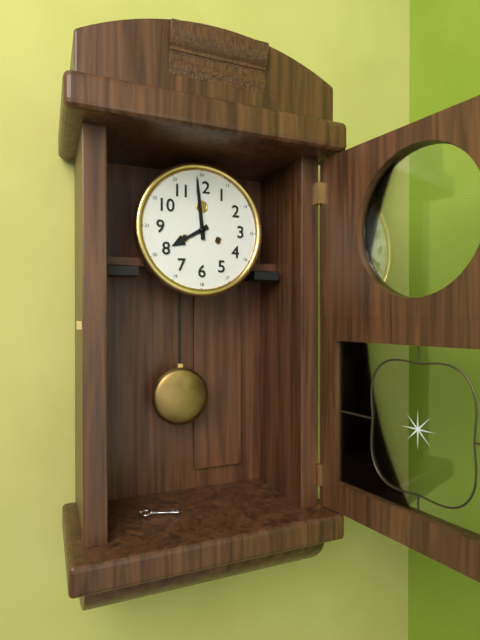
7h59
